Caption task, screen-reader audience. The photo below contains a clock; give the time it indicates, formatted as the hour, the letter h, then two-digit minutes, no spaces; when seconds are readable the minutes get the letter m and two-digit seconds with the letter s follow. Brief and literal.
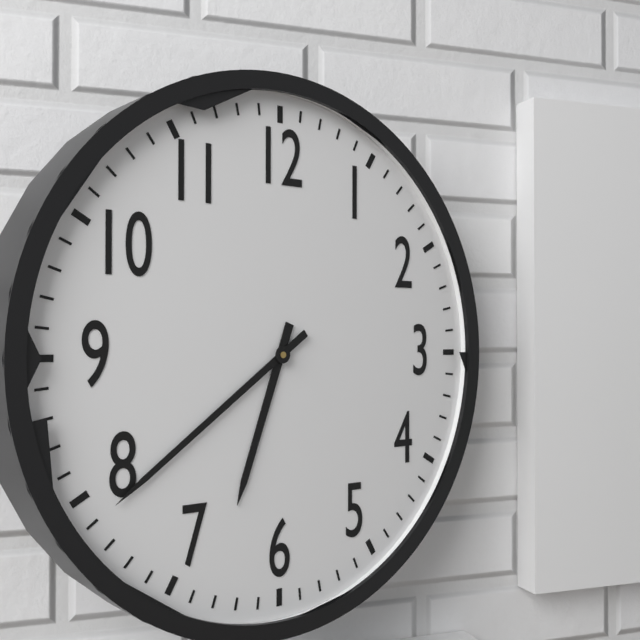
6h39
